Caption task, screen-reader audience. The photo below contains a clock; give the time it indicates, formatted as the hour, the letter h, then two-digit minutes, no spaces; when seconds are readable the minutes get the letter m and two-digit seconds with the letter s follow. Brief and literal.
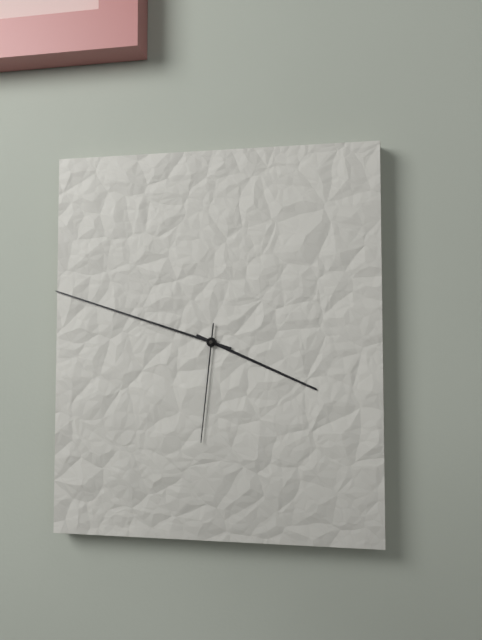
3h48m31s
